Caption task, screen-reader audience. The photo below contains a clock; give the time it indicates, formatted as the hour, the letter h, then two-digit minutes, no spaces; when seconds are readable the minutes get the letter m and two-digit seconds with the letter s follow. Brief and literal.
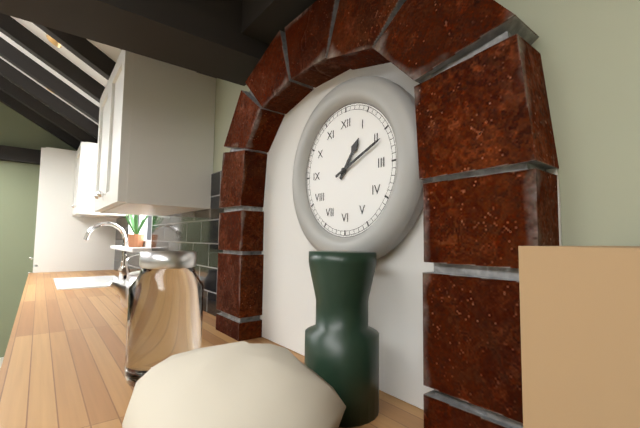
1h11
